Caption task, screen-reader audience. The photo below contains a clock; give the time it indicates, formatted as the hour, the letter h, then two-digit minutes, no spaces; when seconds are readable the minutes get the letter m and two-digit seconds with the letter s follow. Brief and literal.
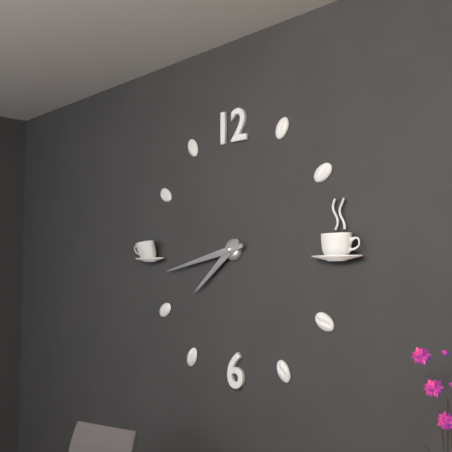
7h43
